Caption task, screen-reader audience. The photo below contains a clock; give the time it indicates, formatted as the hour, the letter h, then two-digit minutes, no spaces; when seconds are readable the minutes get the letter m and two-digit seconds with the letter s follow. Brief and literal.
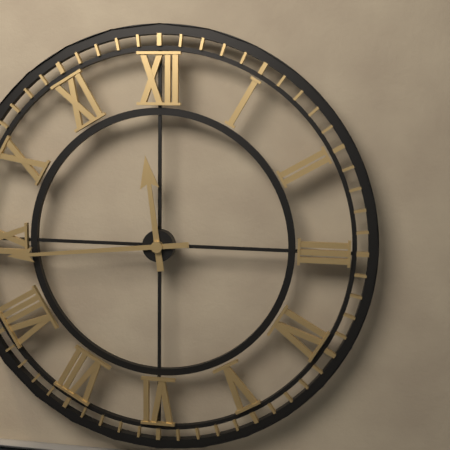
11h44
